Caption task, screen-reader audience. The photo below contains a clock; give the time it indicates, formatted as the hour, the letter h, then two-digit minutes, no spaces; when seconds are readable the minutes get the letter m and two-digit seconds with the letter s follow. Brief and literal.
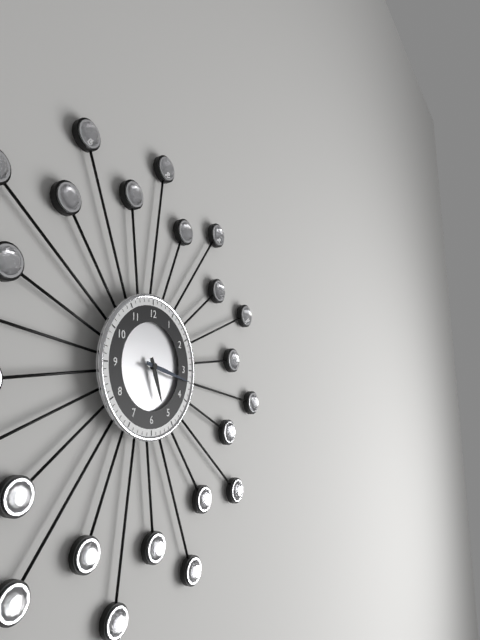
5h17
